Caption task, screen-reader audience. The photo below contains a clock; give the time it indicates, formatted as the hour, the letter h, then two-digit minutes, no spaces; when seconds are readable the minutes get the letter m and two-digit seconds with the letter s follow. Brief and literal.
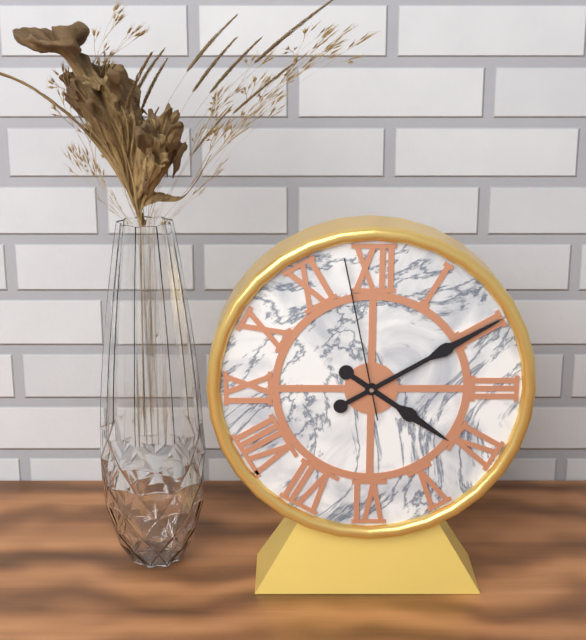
4h10m58s
